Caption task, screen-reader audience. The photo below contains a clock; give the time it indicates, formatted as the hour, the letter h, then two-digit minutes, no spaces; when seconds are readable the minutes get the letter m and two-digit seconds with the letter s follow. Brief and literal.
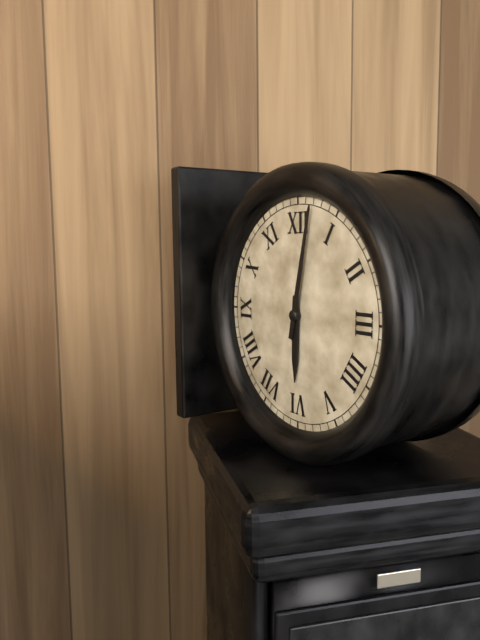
6h02
